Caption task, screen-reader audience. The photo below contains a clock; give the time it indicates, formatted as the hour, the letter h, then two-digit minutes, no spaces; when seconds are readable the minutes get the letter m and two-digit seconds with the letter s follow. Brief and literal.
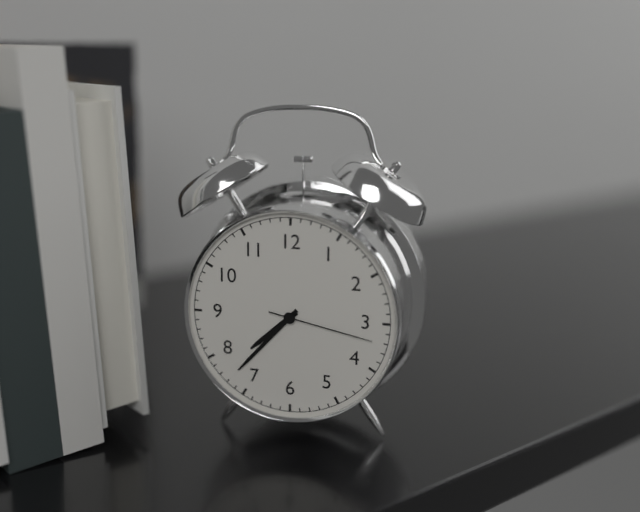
7h37m17s
